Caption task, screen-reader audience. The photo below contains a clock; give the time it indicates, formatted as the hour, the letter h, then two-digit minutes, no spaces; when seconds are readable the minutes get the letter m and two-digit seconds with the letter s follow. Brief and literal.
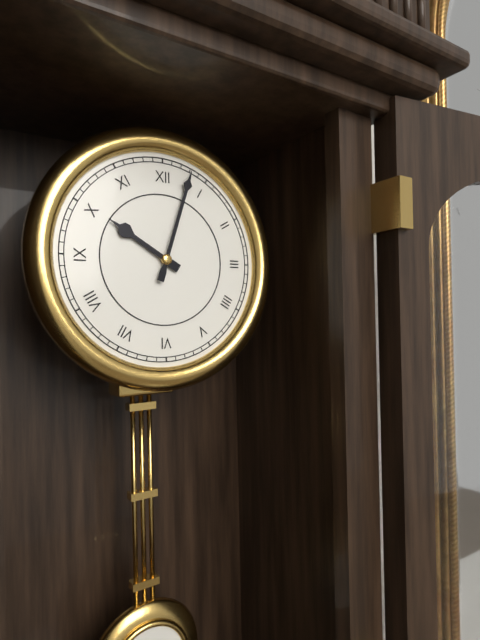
10h03
